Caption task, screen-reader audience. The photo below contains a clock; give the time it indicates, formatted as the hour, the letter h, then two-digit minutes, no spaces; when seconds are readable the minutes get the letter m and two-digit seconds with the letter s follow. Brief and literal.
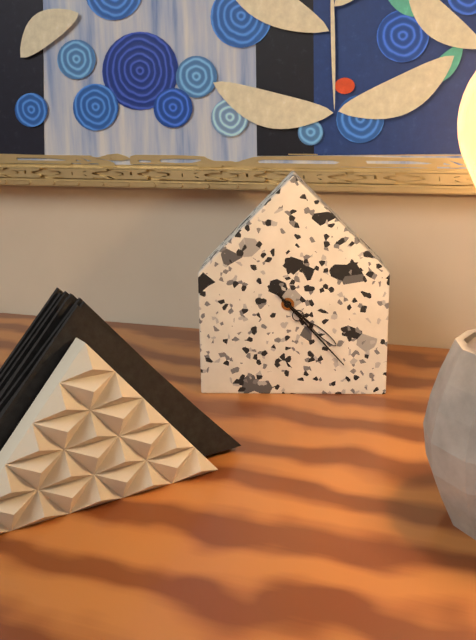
4h23
